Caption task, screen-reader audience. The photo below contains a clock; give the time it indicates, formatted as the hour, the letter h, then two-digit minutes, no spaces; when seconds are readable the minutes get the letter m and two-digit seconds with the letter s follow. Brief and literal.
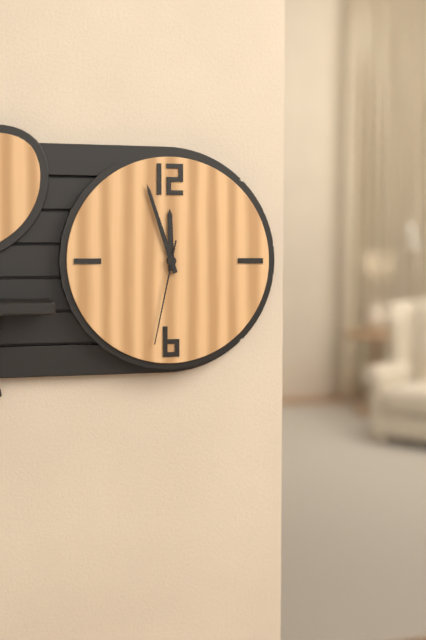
11h57m32s
